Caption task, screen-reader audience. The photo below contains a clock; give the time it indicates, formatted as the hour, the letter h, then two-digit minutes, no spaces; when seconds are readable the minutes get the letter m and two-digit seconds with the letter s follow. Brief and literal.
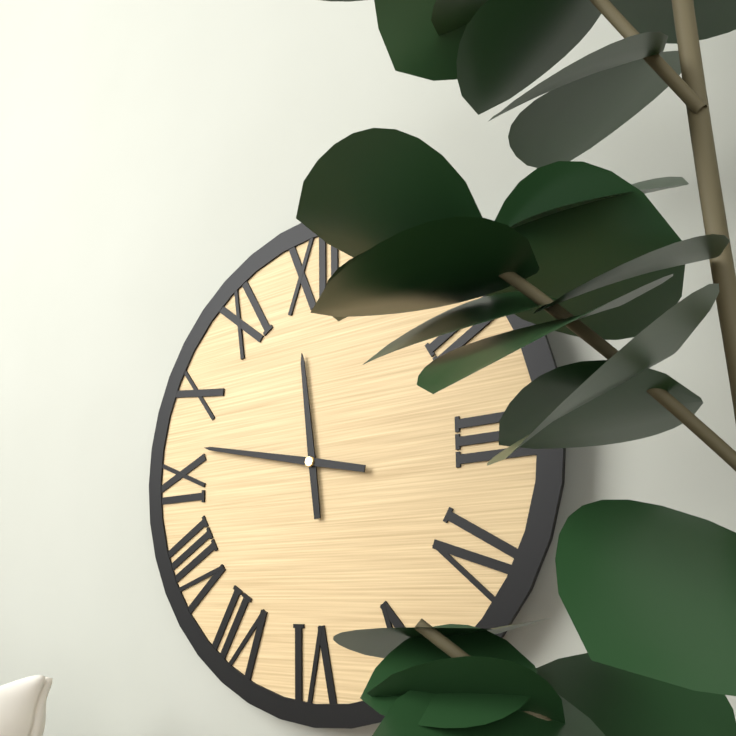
11h47
